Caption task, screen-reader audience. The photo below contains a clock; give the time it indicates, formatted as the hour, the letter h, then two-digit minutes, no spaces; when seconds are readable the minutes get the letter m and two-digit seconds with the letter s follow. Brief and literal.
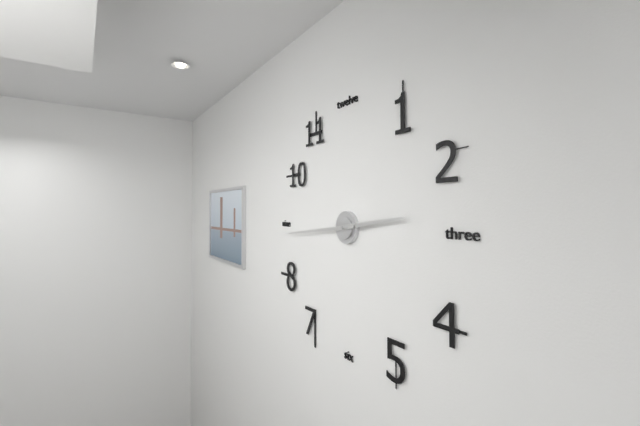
2h44
